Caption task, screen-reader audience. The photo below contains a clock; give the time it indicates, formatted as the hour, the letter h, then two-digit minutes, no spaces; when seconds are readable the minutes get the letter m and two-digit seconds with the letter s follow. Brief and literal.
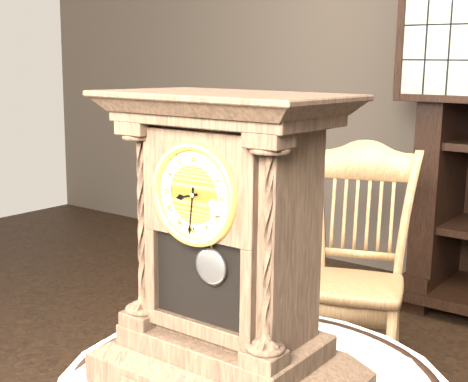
8h31
